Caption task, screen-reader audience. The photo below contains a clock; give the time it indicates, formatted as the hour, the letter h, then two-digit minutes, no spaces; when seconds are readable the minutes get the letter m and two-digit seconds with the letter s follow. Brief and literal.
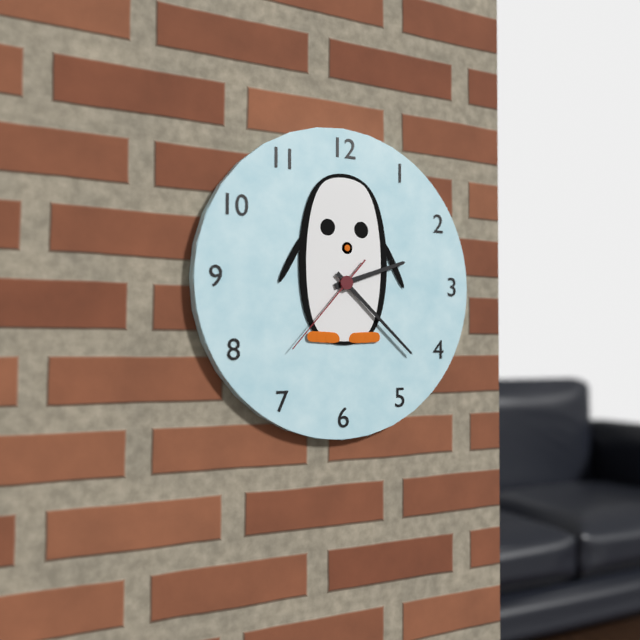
2h22m37s
